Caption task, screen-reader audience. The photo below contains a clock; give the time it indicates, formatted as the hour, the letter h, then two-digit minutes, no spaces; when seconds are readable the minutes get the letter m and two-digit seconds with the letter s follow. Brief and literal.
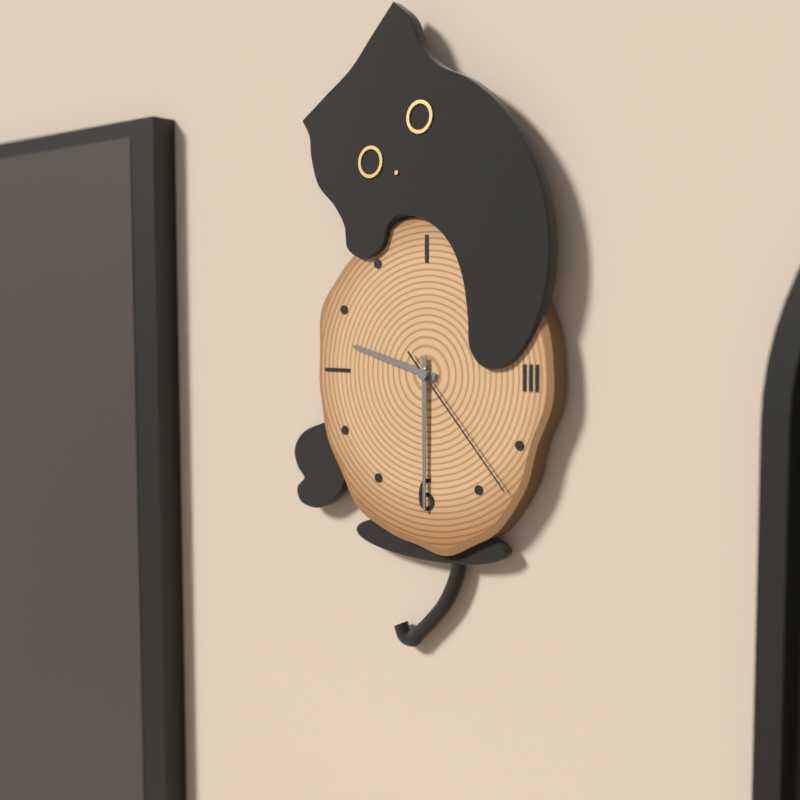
9h30m23s
